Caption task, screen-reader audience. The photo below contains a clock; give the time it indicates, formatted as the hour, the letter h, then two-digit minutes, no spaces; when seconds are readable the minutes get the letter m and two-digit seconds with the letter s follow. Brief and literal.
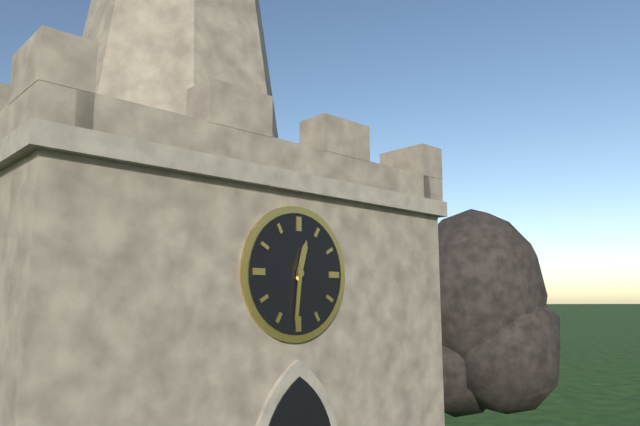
12h31
